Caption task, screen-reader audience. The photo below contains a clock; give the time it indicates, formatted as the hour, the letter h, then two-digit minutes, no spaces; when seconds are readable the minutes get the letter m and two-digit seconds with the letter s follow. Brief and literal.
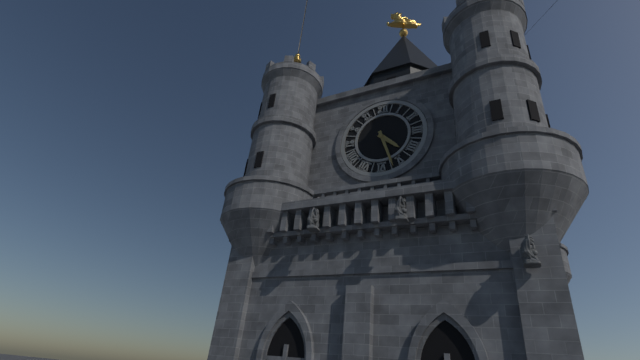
4h27
